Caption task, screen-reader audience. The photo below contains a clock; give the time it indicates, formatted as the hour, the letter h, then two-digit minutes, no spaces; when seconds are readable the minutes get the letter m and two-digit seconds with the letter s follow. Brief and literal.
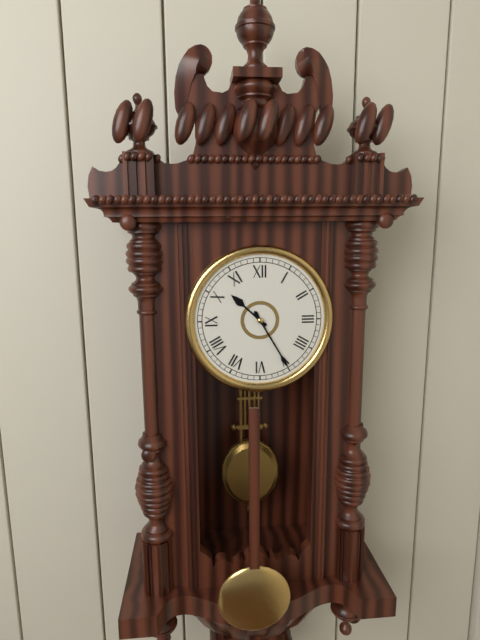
10h25
